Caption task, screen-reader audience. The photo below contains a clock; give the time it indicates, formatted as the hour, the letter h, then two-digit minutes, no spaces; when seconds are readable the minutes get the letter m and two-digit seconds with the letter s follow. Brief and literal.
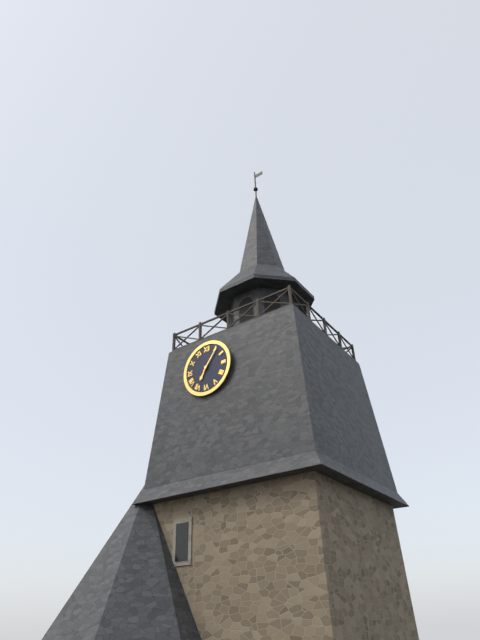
7h06
